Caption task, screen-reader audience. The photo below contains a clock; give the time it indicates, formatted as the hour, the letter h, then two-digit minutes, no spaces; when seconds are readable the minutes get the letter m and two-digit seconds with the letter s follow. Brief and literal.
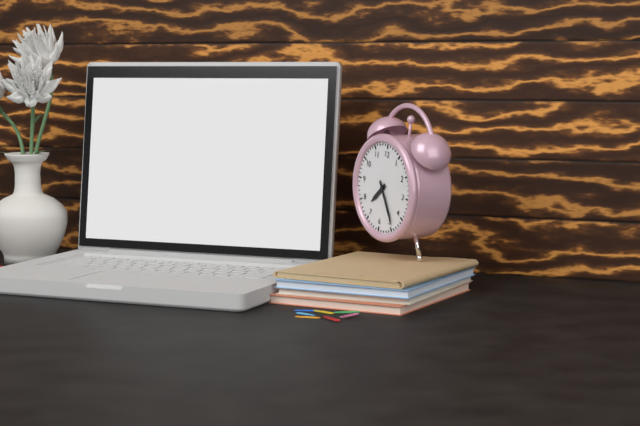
7h24
